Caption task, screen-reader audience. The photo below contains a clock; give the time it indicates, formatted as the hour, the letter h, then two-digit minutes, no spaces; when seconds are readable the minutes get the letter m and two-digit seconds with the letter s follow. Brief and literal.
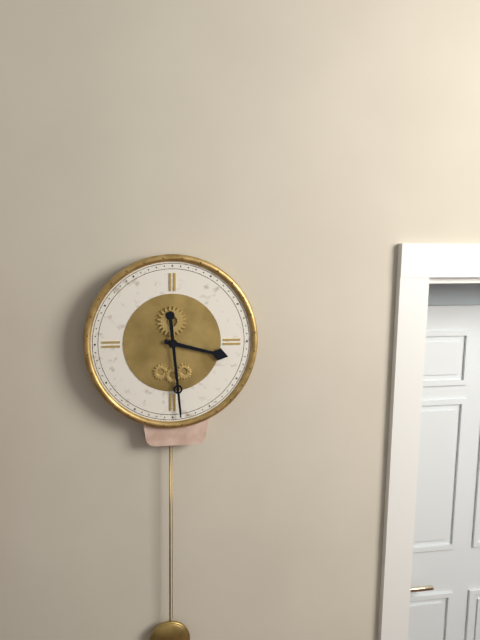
3h29
